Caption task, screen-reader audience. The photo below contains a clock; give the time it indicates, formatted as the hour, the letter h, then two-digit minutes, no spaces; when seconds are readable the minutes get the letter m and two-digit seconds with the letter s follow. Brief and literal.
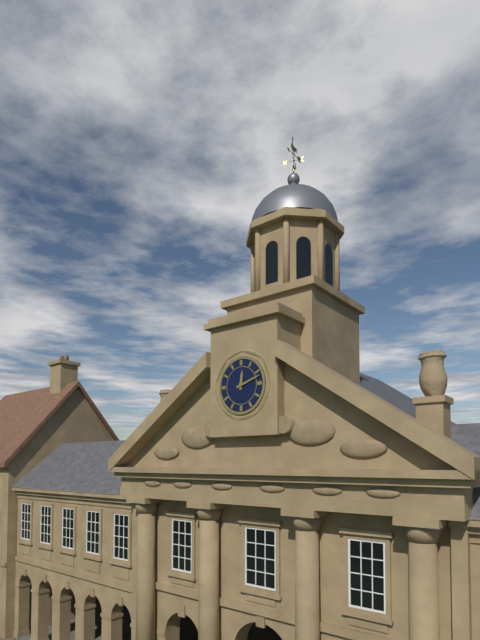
12h12
